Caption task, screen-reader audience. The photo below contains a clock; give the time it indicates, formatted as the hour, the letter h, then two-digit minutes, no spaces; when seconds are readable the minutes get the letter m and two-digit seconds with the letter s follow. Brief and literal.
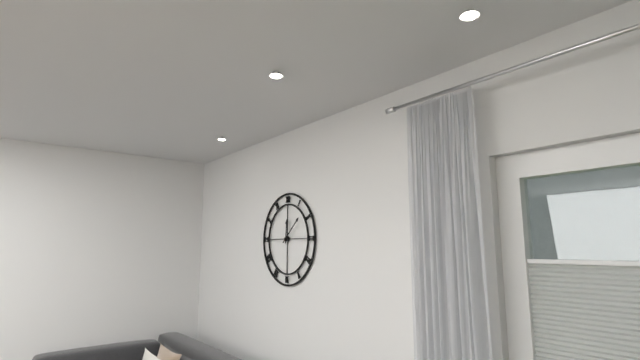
12h08
